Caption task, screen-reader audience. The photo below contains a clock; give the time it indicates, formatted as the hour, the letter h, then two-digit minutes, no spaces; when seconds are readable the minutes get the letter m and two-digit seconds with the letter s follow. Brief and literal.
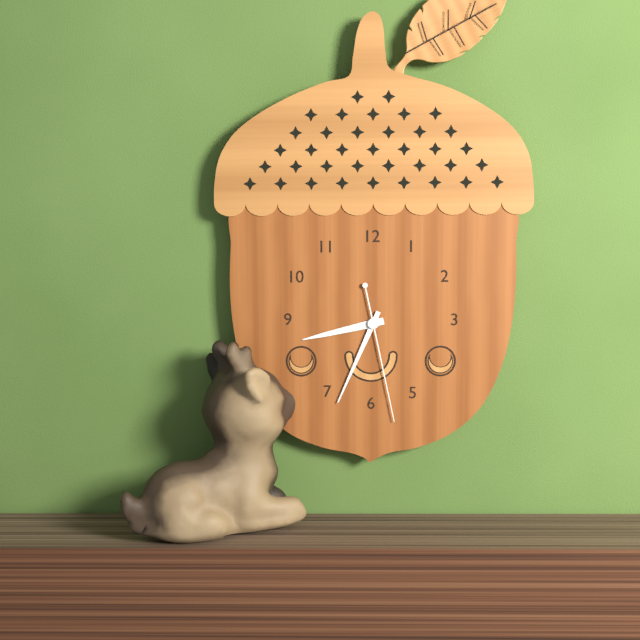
8h34m28s
